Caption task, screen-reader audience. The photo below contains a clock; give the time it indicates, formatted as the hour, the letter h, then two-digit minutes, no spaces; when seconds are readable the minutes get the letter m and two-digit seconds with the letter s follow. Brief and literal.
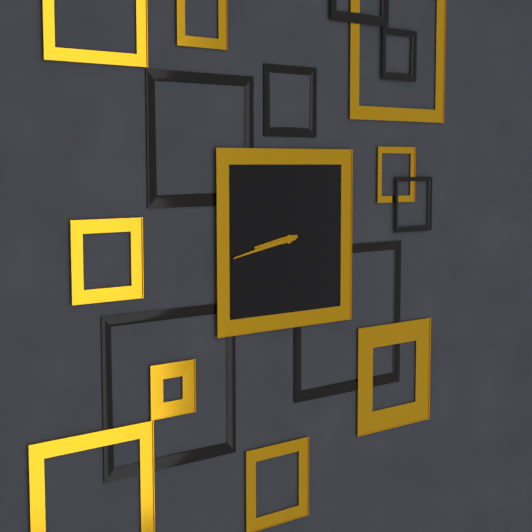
8h43
